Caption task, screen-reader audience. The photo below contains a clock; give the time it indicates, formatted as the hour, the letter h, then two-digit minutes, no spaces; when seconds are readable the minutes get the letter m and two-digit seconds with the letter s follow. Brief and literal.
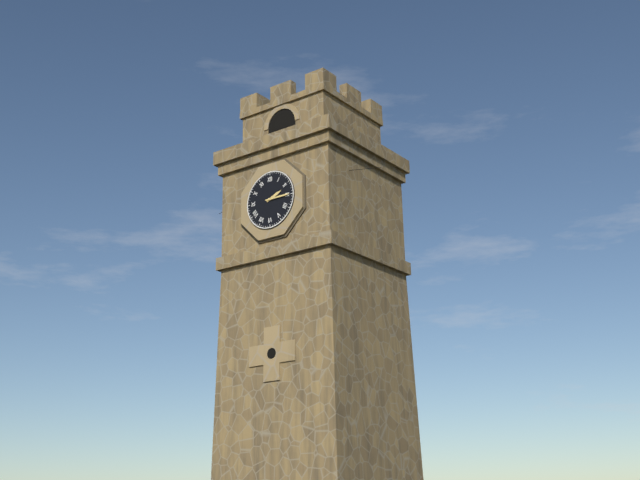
2h15
